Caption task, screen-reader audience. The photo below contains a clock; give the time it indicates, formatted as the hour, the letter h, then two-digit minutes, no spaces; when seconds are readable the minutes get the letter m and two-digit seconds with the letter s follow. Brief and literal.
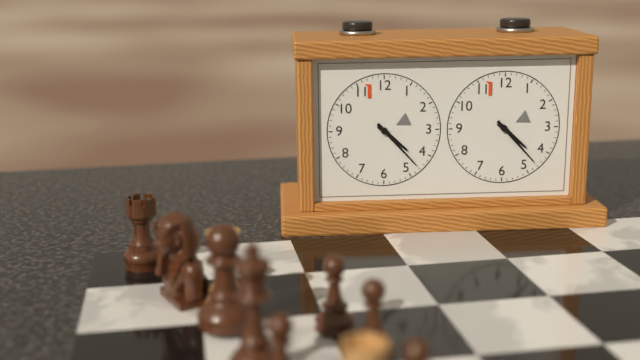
4h23
